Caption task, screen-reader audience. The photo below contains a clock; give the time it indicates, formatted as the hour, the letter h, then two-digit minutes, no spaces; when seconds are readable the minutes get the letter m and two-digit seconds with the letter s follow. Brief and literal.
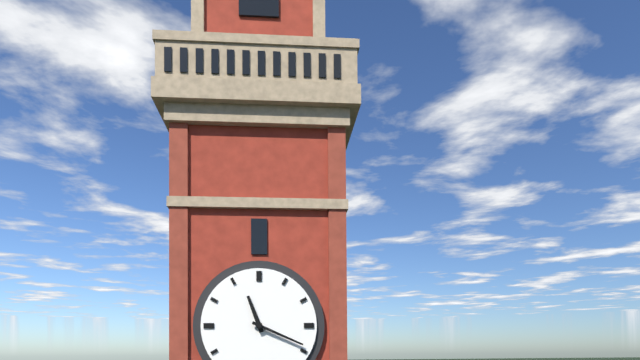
11h19
